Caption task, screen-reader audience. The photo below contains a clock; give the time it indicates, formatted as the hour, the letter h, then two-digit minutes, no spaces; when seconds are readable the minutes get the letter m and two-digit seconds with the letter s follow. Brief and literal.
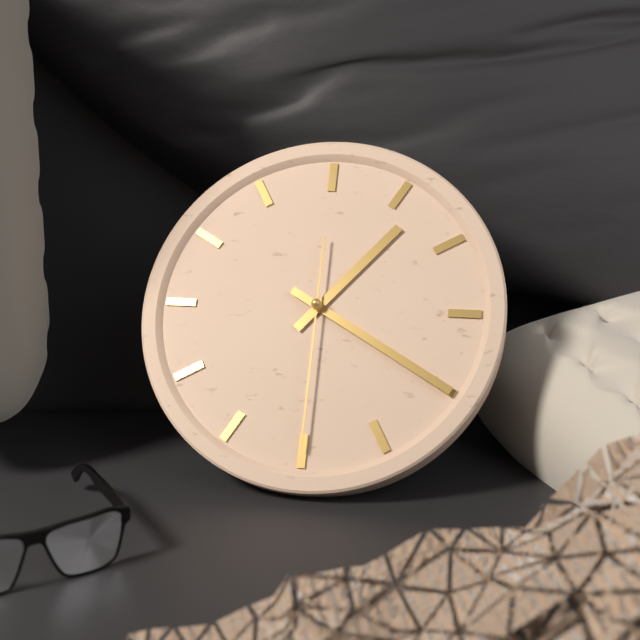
1h20m30s
